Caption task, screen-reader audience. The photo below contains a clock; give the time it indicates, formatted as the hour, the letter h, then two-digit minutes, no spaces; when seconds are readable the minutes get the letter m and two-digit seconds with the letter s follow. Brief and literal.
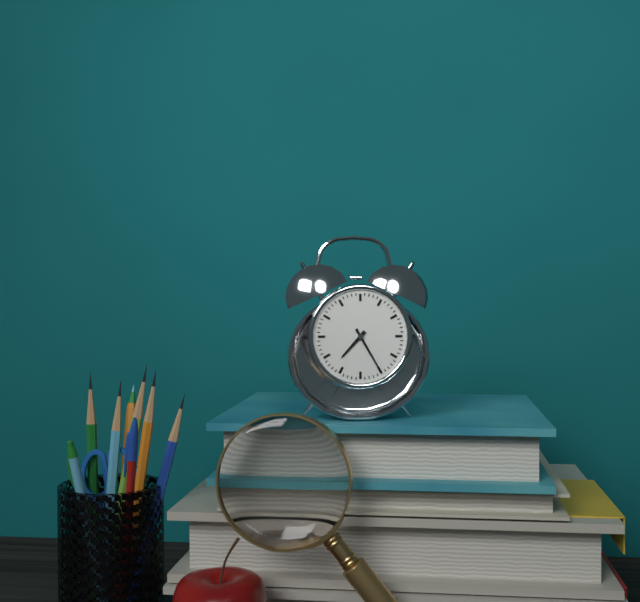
7h25
